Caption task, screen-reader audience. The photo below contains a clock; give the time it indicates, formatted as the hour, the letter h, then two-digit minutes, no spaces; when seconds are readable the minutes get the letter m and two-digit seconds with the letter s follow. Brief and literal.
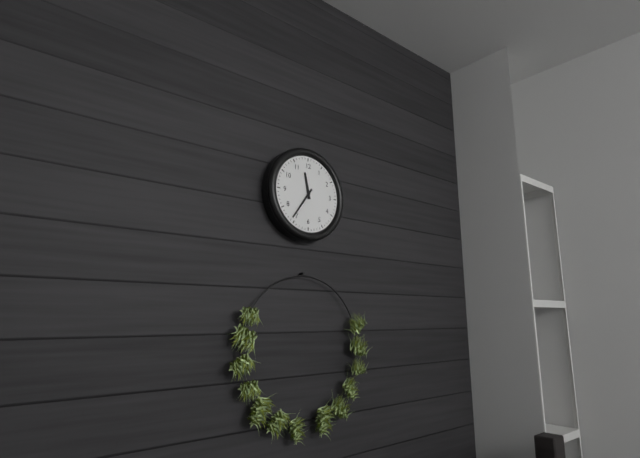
11h36
